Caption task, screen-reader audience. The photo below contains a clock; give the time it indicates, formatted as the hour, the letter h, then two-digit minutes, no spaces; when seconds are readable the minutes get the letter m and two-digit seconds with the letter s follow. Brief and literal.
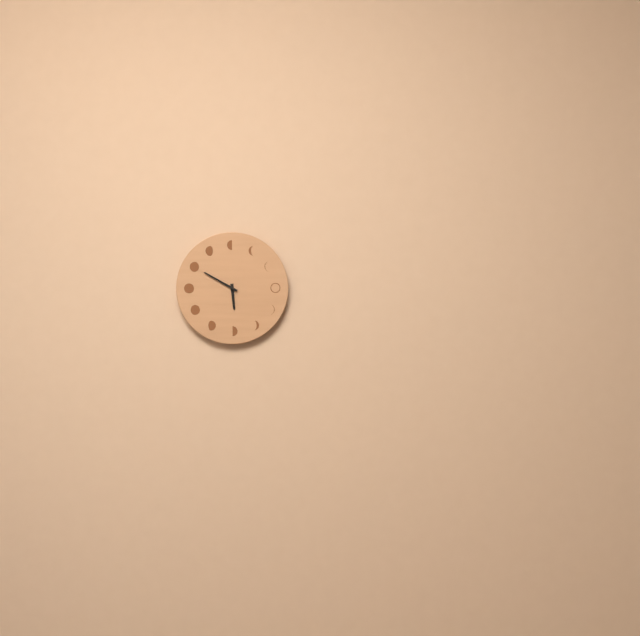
5h50
